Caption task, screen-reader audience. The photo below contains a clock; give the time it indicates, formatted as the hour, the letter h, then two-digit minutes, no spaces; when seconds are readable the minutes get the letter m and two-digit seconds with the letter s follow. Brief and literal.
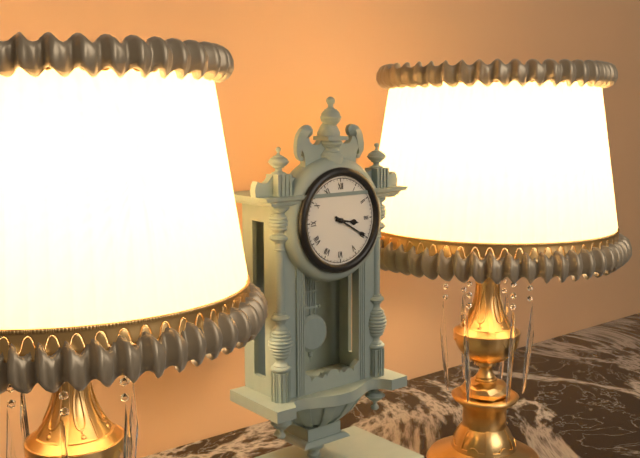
3h20
